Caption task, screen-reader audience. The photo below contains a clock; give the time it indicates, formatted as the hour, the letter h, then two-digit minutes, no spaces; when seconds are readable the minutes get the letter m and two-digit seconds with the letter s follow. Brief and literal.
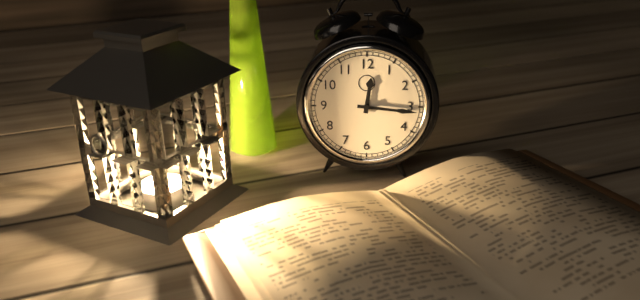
12h16
